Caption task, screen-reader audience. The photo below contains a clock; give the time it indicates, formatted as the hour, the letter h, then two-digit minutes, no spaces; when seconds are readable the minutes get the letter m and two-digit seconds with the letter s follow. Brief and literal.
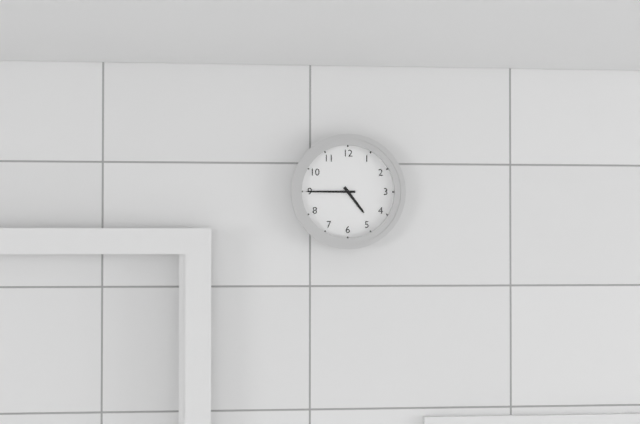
4h45
